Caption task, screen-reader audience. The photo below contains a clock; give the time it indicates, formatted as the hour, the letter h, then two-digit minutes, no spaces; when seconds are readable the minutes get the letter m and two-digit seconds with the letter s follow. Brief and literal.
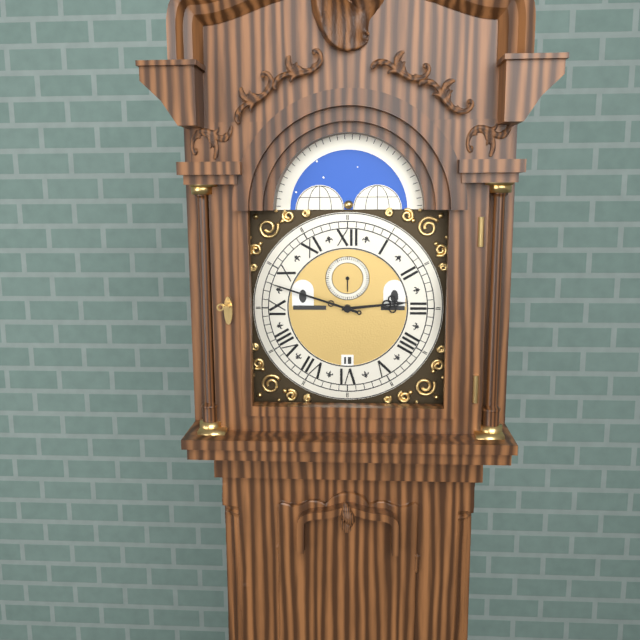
2h48
